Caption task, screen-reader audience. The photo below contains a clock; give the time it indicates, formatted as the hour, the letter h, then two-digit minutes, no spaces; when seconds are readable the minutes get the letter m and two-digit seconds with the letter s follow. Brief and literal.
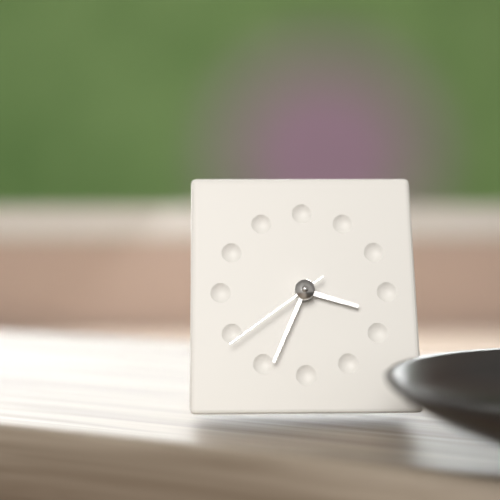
3h34m39s
